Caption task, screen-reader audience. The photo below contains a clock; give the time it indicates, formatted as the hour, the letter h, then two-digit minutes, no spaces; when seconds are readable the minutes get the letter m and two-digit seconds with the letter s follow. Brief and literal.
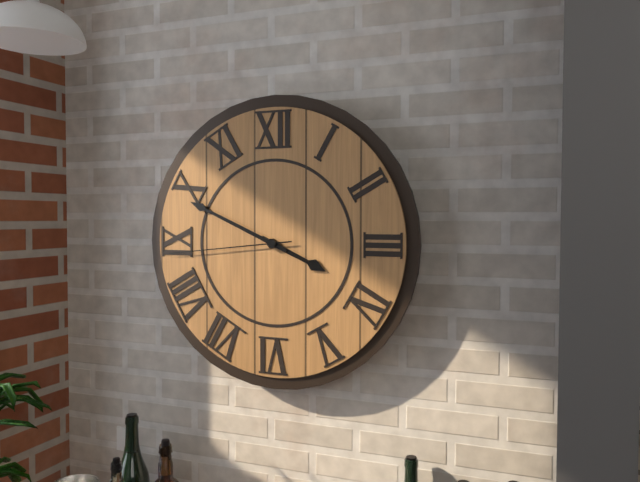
3h49m44s
